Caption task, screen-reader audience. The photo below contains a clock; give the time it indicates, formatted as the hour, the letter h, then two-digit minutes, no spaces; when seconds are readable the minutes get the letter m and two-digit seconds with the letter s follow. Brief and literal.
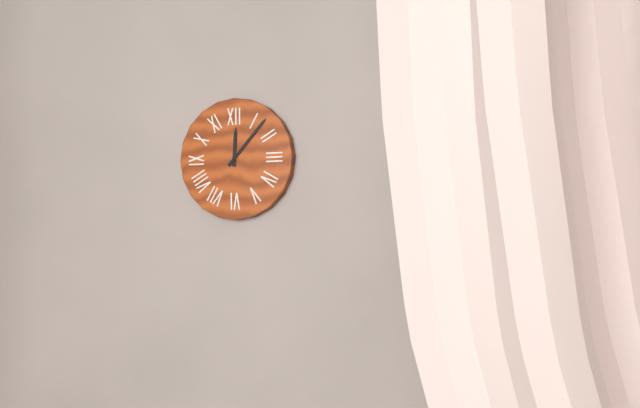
12h07
